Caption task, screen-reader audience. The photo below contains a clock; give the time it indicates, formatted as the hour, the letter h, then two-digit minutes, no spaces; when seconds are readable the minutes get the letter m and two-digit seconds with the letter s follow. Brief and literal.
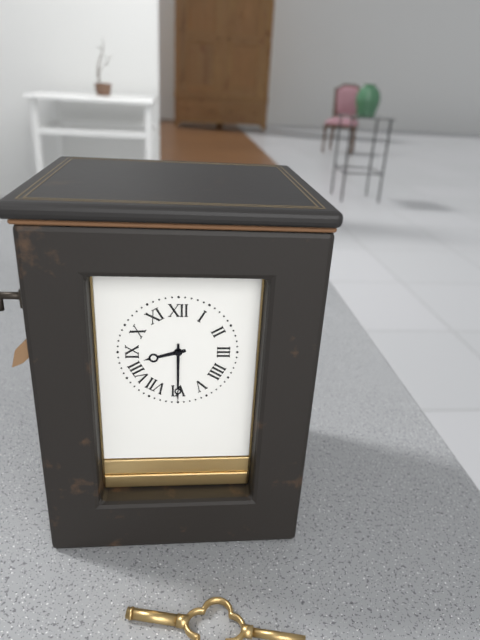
8h30
